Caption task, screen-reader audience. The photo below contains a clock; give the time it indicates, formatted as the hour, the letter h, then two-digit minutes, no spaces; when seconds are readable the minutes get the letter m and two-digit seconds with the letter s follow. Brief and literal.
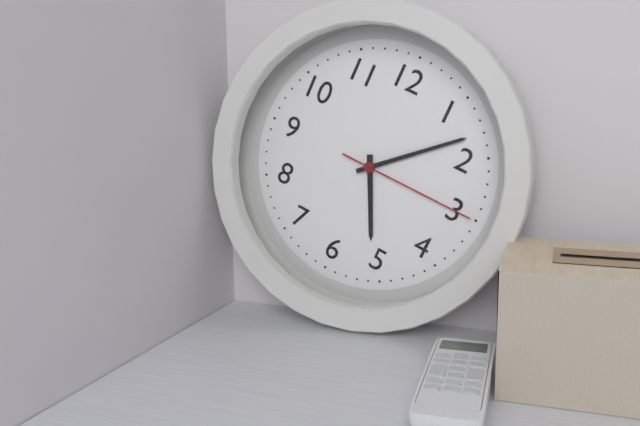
5h08m15s
